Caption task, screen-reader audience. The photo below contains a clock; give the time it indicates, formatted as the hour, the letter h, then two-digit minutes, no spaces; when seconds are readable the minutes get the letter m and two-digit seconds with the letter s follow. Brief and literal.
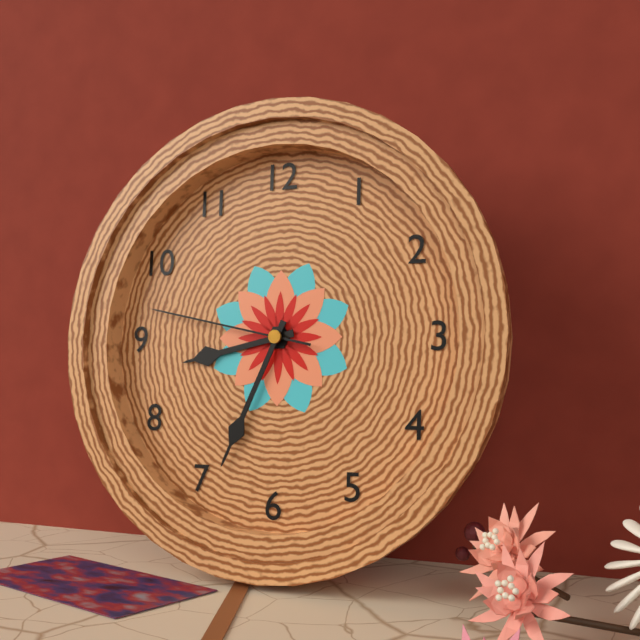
8h34m47s
